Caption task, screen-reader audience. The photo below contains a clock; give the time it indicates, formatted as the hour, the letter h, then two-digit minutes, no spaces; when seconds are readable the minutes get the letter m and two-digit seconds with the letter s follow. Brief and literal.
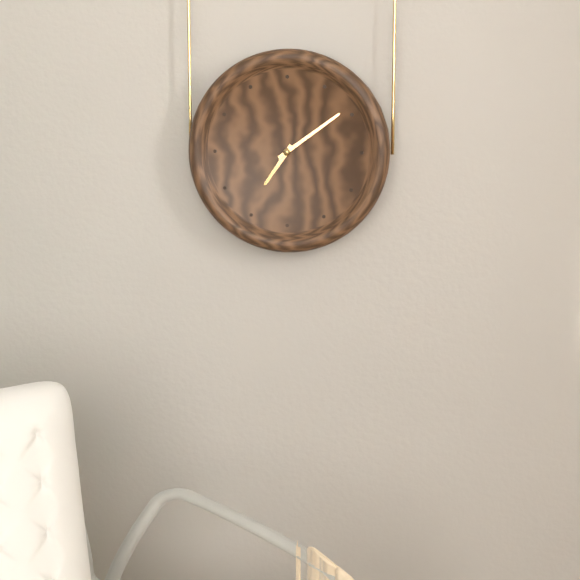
7h09
